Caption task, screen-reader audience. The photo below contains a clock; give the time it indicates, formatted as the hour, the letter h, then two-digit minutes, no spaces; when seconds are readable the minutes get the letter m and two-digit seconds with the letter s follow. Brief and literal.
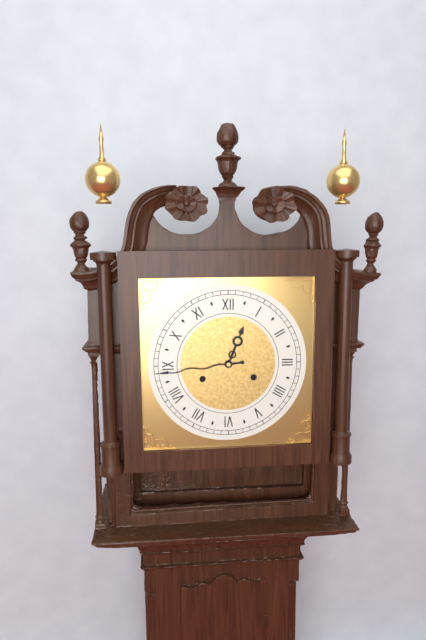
12h44
